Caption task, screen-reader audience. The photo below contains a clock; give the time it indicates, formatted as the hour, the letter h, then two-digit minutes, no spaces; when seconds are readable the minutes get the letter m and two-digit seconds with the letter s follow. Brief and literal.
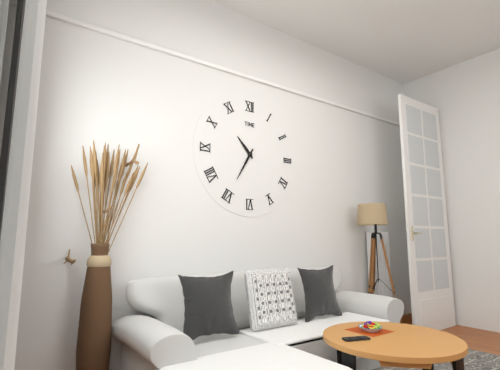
10h35
